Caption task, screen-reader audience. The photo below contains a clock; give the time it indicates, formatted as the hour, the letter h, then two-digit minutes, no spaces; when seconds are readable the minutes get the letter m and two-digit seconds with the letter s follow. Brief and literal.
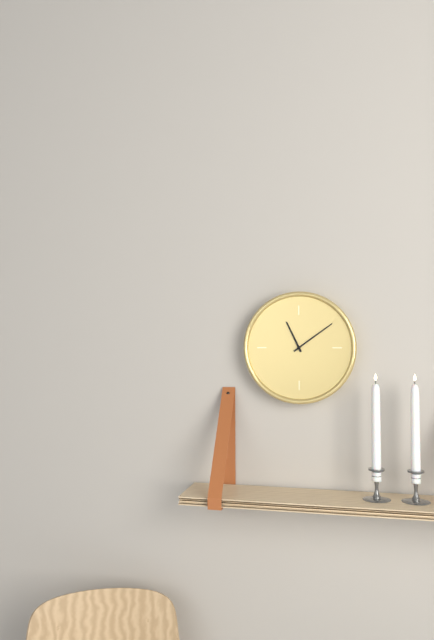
11h09
